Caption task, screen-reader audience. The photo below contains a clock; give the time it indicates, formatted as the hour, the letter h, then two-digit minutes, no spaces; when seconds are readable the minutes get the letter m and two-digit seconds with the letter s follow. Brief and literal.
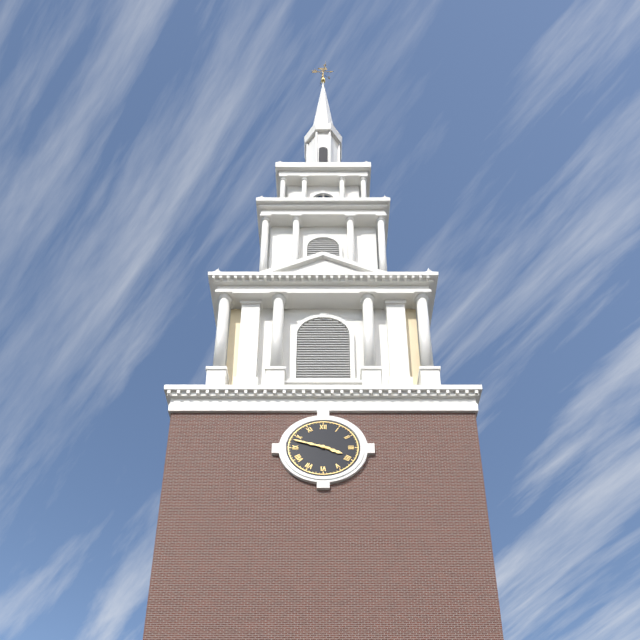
3h48
